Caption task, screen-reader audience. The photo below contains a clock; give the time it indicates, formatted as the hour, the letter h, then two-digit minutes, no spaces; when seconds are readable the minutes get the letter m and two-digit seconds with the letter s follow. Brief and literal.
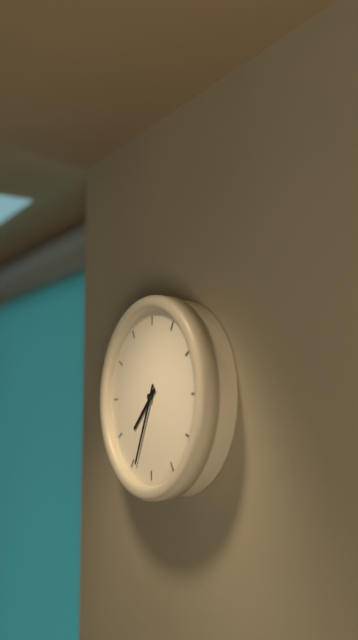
7h34
